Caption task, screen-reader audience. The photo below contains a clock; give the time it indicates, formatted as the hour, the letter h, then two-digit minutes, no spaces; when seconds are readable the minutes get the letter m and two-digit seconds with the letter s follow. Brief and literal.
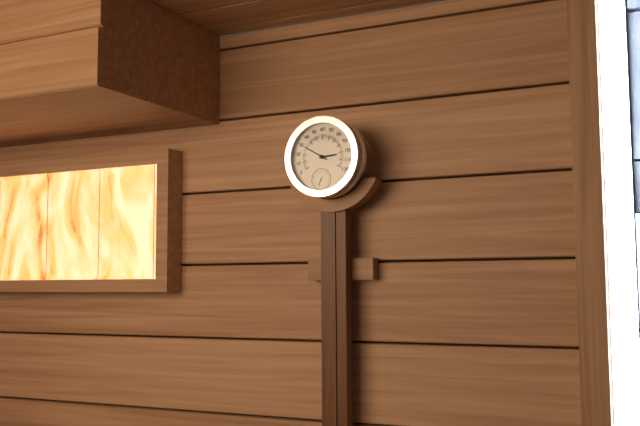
2h50
